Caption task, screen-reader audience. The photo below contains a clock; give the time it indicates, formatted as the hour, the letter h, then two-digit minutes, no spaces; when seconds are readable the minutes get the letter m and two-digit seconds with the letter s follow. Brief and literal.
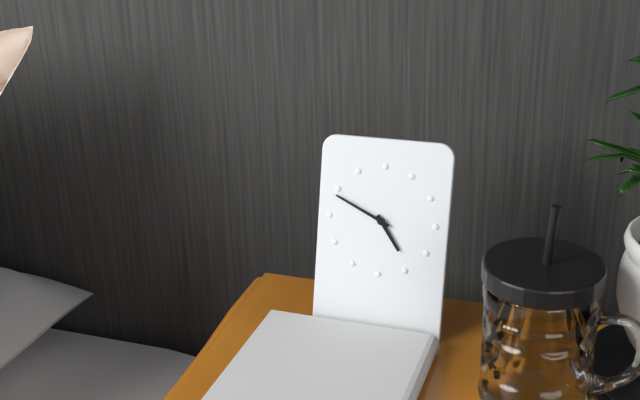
4h49
